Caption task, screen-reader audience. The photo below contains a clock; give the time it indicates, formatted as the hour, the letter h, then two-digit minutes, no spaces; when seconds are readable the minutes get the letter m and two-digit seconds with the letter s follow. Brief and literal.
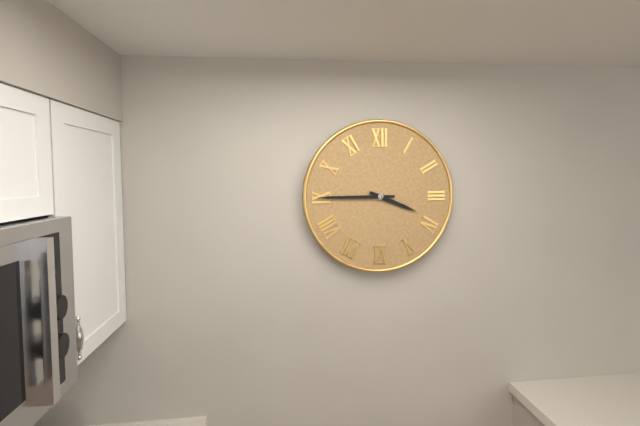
3h45
